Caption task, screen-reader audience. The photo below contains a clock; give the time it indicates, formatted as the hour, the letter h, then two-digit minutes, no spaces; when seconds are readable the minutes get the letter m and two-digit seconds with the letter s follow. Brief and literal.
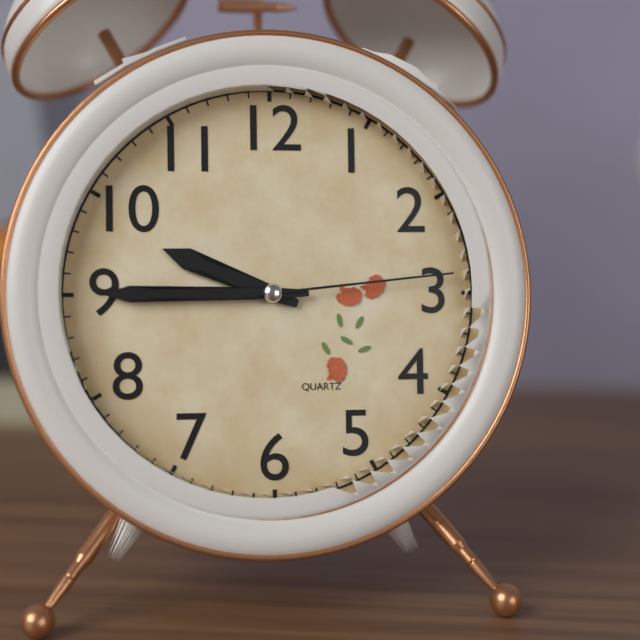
9h45m14s
